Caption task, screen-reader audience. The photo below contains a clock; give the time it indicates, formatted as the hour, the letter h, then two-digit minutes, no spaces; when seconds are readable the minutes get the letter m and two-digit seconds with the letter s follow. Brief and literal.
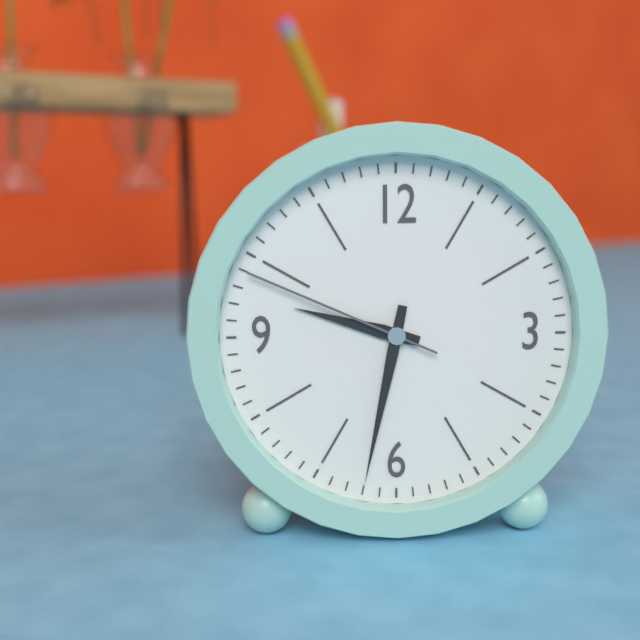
9h32m49s
